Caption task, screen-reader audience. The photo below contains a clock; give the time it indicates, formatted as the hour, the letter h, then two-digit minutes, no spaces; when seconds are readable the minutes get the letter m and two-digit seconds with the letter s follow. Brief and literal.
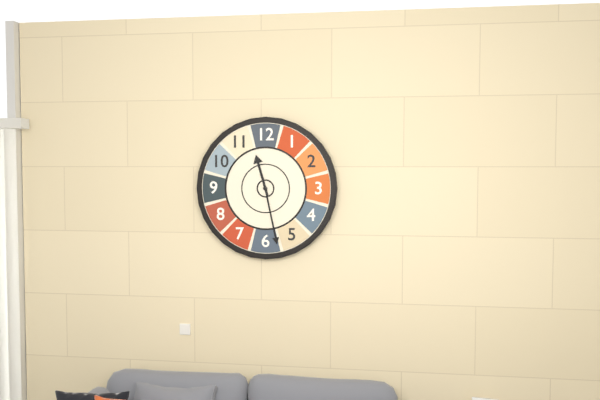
11h28
